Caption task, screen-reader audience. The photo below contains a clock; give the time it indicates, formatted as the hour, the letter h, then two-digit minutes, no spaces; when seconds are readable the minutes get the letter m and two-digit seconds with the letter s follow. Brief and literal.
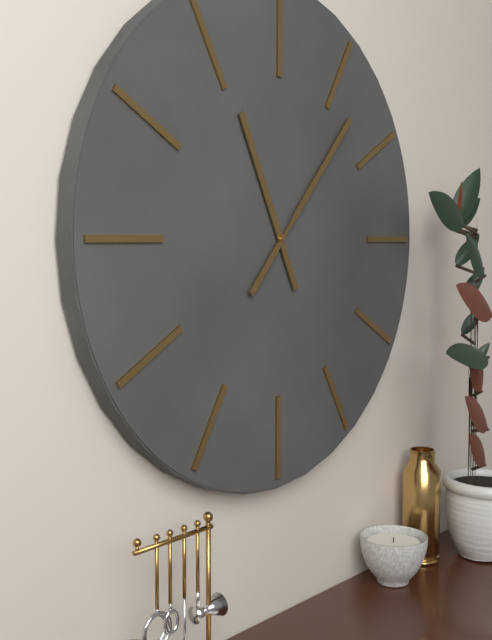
11h07
